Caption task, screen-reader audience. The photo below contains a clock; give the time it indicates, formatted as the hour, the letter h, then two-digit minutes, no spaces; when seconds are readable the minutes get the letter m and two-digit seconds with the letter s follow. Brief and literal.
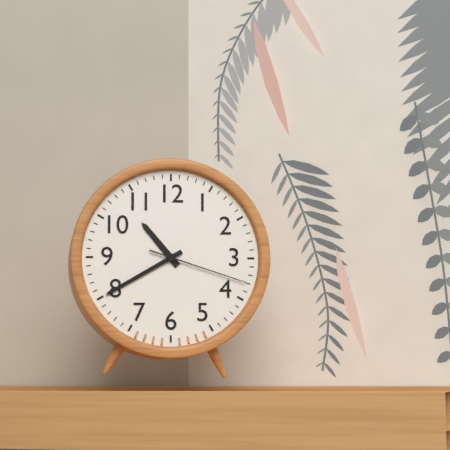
10h40m18s
